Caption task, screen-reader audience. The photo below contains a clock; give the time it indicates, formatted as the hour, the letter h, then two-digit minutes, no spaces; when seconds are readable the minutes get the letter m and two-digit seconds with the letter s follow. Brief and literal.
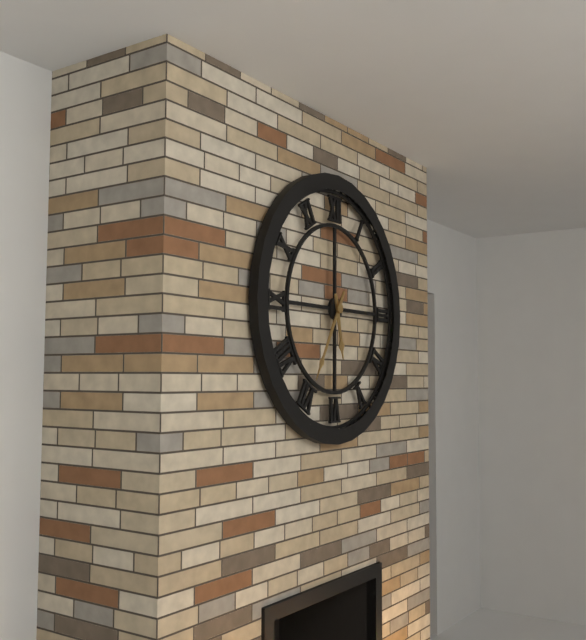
5h35
